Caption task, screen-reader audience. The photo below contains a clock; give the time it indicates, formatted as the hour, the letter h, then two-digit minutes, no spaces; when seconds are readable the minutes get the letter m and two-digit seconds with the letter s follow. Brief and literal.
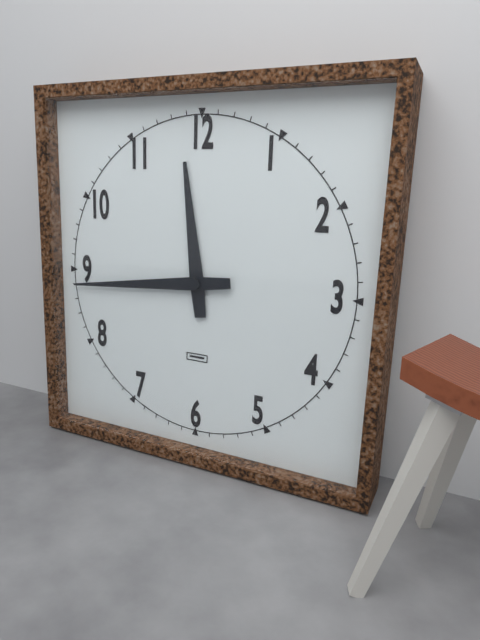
11h44
